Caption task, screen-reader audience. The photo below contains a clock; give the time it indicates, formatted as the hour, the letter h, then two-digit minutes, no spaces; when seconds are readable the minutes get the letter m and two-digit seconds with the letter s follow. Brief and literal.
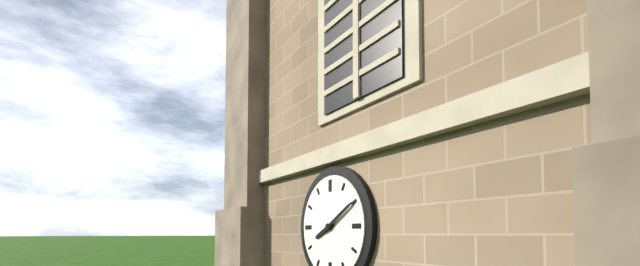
8h10
